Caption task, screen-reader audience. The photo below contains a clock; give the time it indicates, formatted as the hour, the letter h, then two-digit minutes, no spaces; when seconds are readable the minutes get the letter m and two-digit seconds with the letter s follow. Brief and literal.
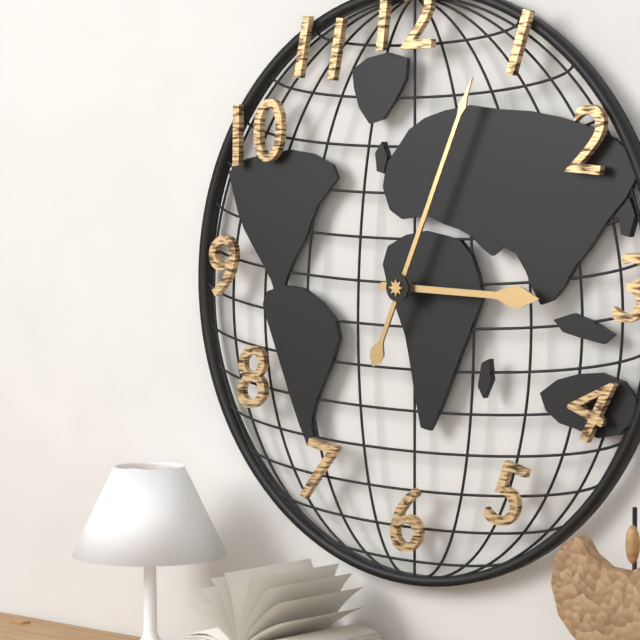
3h04
